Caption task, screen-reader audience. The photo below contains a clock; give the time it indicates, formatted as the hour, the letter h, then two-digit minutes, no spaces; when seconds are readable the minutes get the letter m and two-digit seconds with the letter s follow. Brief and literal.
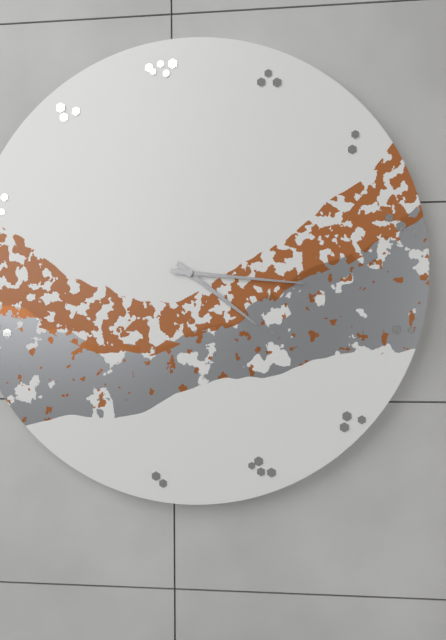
4h16
